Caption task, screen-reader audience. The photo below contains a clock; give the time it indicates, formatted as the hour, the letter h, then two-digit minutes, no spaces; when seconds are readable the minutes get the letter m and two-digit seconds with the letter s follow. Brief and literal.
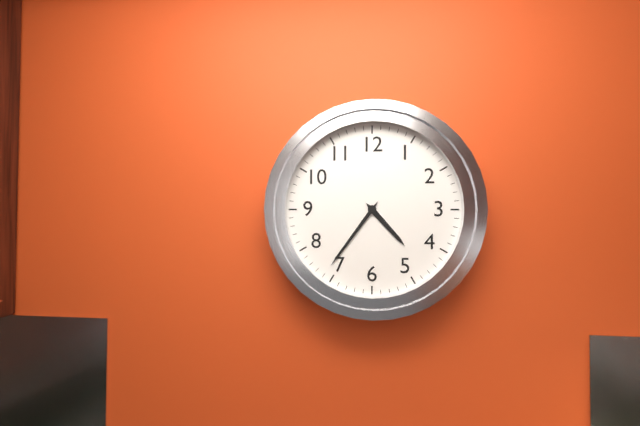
4h36
